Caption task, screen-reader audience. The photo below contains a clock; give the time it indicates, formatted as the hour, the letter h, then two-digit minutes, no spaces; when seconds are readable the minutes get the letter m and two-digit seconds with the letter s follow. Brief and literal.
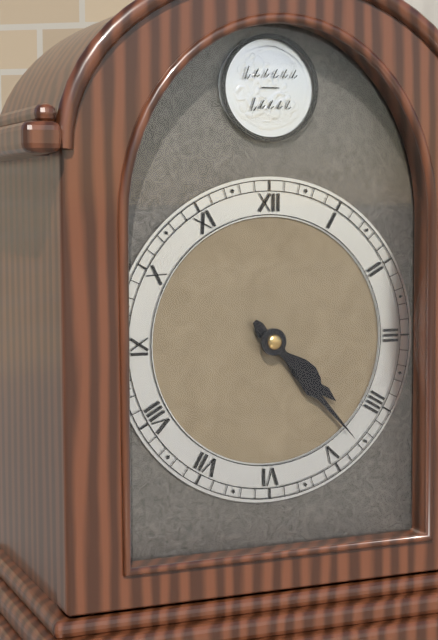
4h23
